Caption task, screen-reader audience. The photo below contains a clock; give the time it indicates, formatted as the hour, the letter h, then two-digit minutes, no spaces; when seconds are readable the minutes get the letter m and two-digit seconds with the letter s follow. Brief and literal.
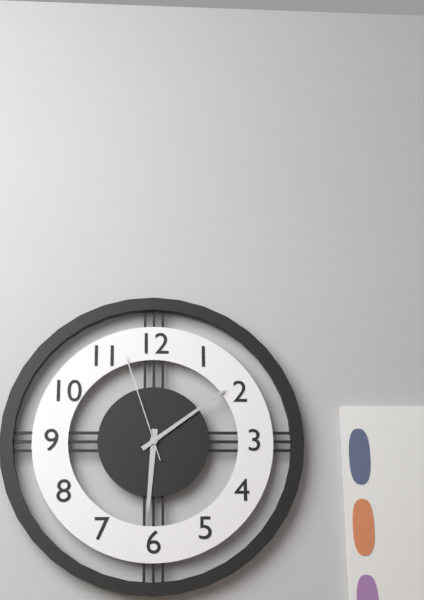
6h09m57s
